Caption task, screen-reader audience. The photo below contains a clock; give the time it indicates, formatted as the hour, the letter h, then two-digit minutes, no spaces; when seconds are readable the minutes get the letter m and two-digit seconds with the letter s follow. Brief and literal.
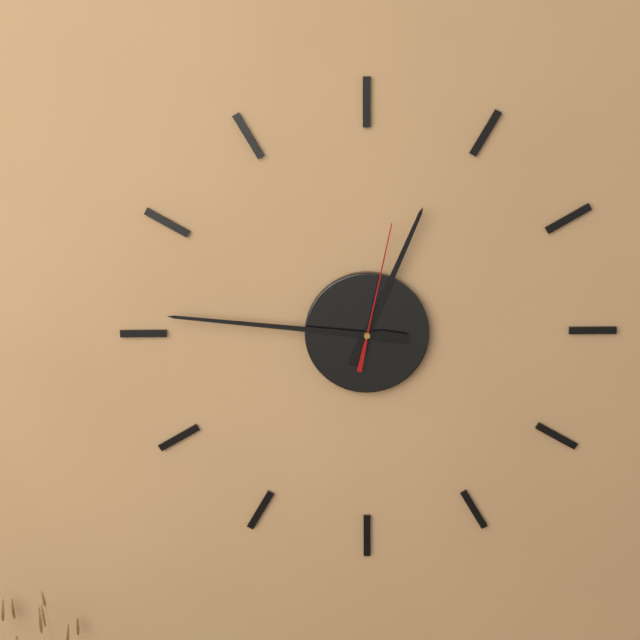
12h46m02s
